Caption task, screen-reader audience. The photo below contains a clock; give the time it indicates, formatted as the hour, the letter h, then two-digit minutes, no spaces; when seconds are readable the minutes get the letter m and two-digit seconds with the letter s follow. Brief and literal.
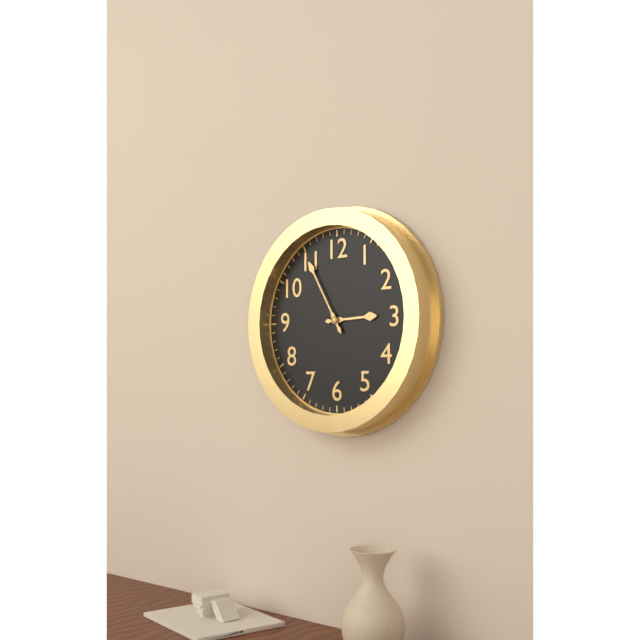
2h55
